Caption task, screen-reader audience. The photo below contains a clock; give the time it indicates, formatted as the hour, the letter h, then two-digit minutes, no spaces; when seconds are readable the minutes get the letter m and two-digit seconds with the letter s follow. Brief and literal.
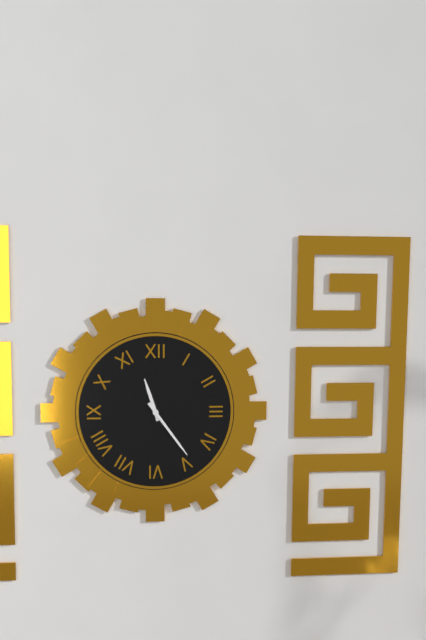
11h24
